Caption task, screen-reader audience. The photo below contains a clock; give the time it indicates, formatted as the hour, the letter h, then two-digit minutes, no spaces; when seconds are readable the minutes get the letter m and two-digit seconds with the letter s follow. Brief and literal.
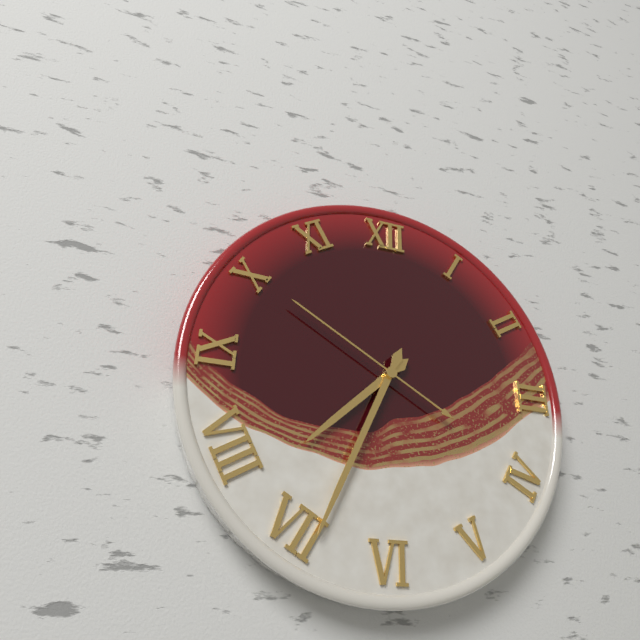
7h34m50s
